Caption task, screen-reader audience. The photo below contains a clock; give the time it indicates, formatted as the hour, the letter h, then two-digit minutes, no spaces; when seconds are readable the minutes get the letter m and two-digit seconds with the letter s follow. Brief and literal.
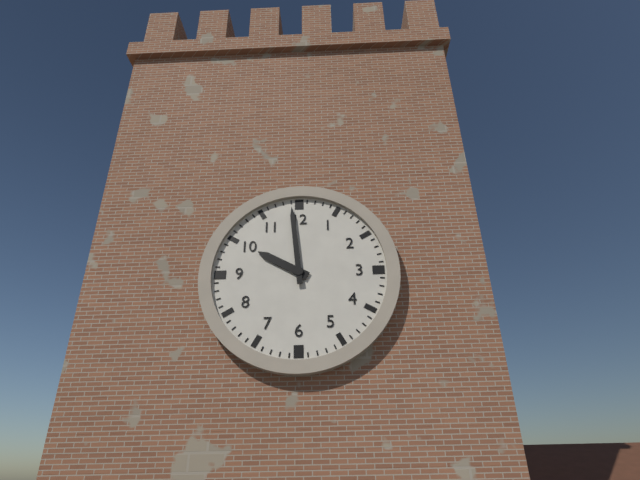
9h59
